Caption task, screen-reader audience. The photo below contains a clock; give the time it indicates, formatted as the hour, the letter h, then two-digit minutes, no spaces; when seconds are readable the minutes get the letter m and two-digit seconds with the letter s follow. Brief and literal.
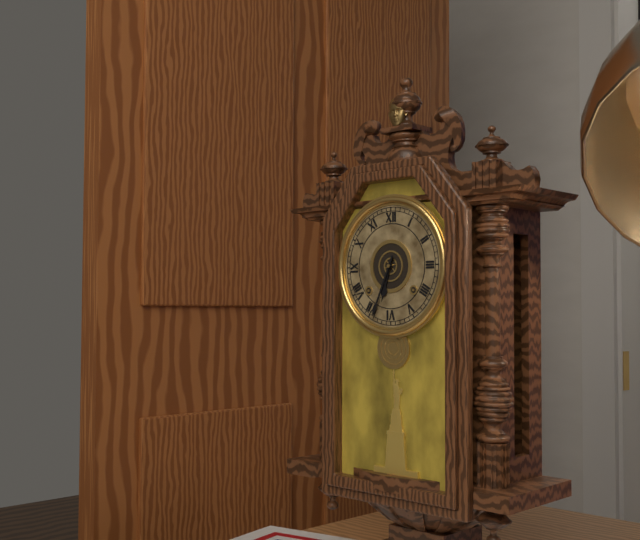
6h34
